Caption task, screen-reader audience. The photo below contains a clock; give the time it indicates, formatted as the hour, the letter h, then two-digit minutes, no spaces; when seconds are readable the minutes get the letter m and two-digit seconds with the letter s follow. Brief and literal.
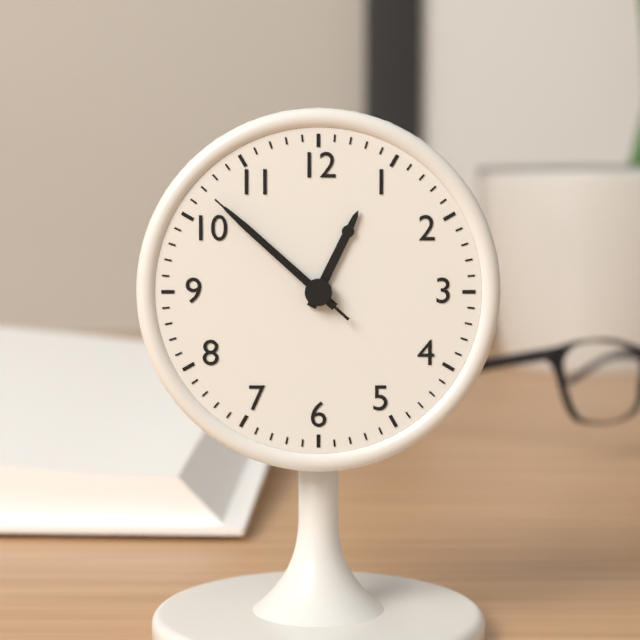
12h52m52s
